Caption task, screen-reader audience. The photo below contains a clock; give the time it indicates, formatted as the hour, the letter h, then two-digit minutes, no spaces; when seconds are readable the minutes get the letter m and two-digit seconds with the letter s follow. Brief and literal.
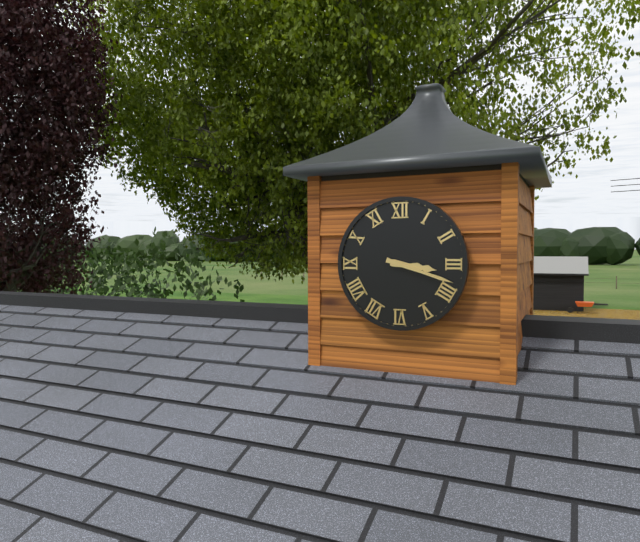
3h18
